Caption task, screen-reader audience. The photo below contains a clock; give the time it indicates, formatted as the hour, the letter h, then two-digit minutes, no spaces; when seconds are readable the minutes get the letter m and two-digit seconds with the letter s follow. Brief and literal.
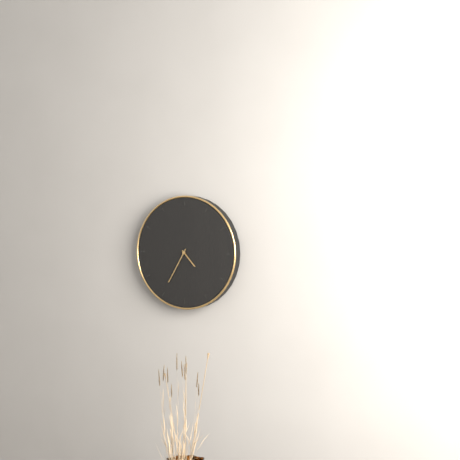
4h35
